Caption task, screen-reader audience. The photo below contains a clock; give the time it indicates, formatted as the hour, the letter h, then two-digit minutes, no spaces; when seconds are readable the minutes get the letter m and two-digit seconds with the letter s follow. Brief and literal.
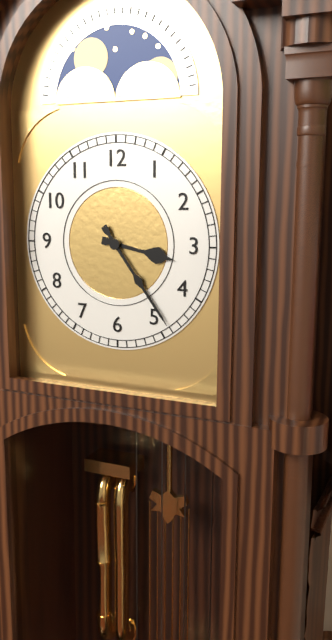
3h24
